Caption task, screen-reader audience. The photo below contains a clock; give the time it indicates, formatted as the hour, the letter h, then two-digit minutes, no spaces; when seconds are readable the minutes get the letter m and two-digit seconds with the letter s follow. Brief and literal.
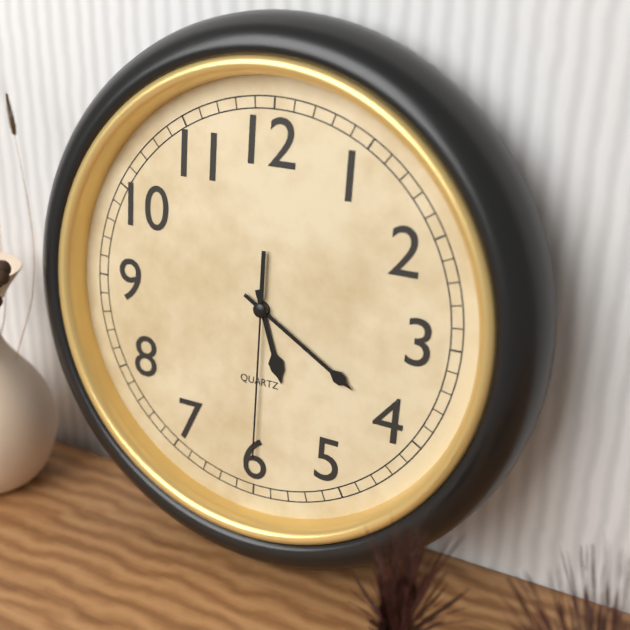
5h20m30s
